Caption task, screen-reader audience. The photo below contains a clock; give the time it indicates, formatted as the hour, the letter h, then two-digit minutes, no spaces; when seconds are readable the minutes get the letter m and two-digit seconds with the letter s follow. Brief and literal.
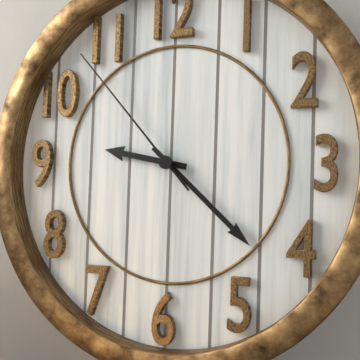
9h22m53s
